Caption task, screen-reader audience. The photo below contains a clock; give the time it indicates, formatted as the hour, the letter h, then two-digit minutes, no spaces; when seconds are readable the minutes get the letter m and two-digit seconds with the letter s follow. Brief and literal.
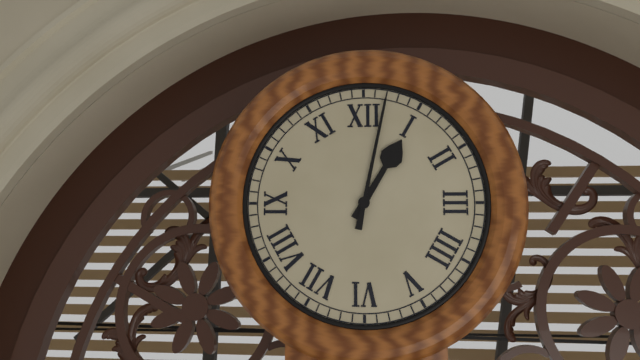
1h02
